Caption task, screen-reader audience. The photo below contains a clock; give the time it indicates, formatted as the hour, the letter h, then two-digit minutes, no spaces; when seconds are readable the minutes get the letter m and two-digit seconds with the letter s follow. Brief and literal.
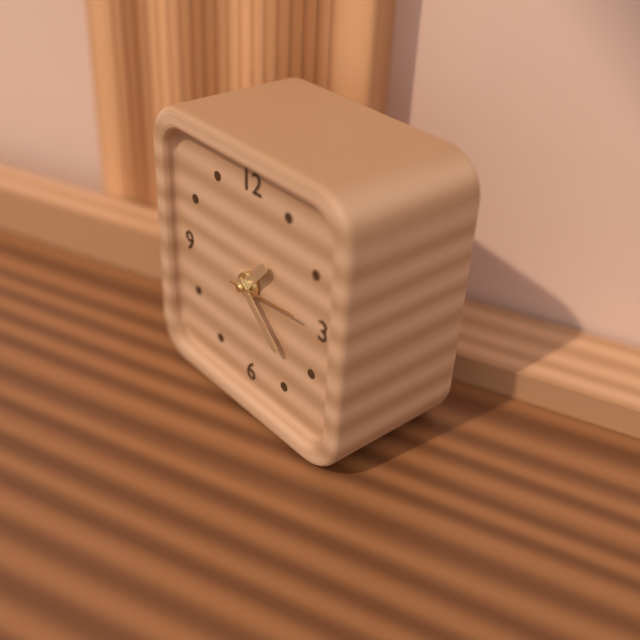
1h22m14s
